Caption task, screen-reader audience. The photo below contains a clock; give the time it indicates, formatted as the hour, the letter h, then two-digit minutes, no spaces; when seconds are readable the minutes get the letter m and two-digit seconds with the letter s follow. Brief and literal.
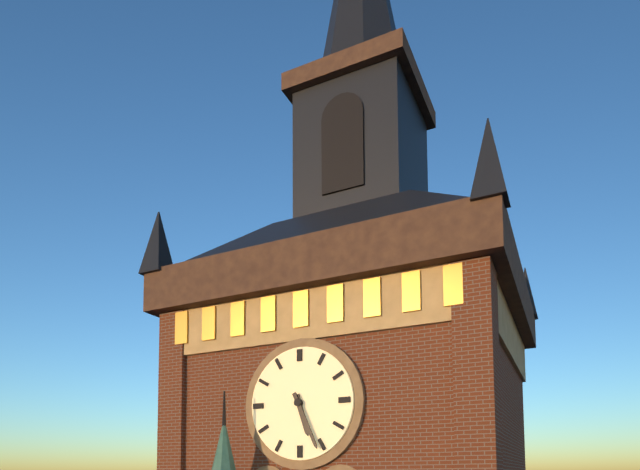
5h26
